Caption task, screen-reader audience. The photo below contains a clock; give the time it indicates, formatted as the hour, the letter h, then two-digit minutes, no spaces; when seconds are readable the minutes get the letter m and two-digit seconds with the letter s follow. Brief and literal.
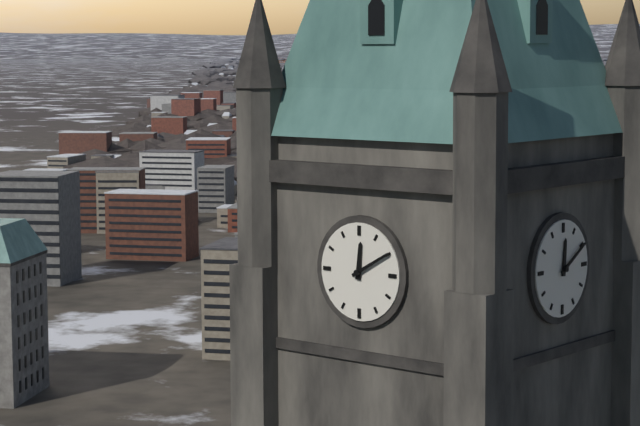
12h10
